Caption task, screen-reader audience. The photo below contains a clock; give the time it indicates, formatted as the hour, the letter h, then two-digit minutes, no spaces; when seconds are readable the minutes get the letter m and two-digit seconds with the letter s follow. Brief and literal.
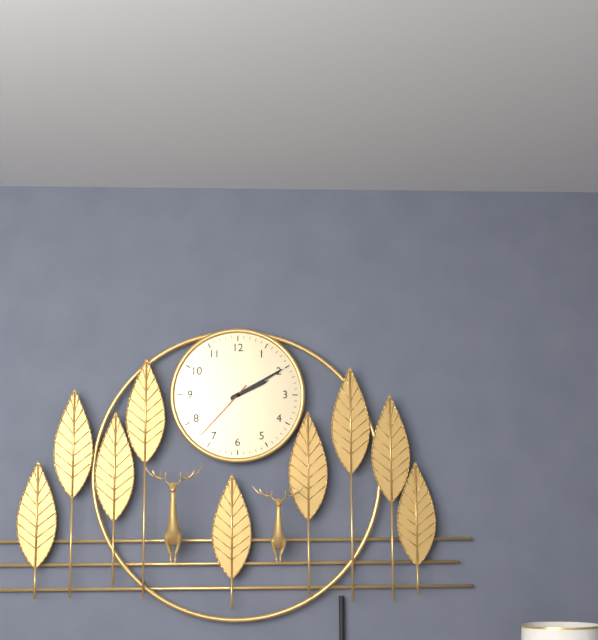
2h10m37s
